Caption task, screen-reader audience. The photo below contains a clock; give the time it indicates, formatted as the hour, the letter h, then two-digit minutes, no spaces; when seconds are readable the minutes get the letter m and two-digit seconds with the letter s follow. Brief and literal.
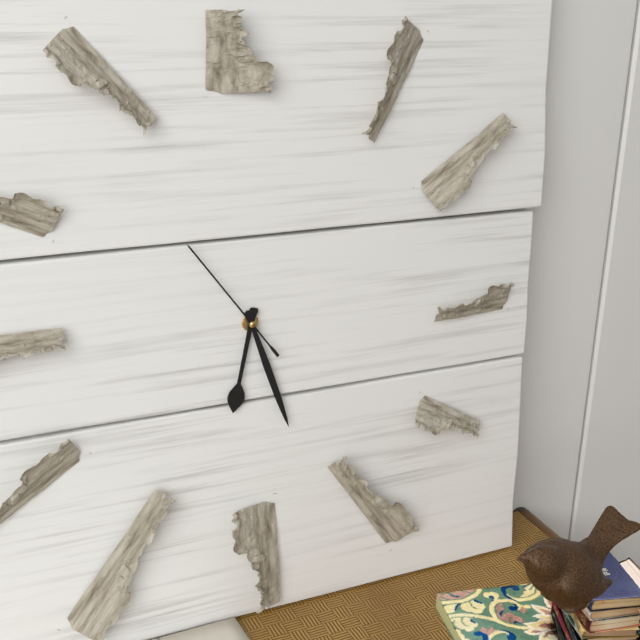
6h27m54s
